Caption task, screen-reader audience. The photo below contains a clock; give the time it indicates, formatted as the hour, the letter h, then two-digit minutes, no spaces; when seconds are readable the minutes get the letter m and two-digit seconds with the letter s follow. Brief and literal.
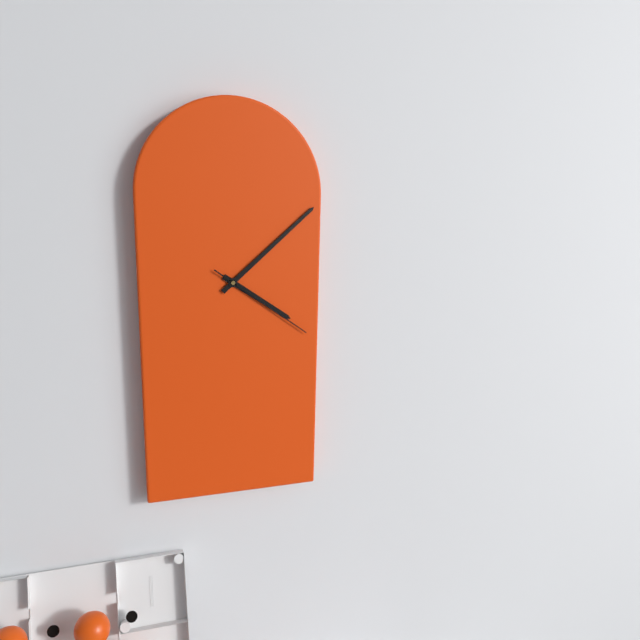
4h08m21s
